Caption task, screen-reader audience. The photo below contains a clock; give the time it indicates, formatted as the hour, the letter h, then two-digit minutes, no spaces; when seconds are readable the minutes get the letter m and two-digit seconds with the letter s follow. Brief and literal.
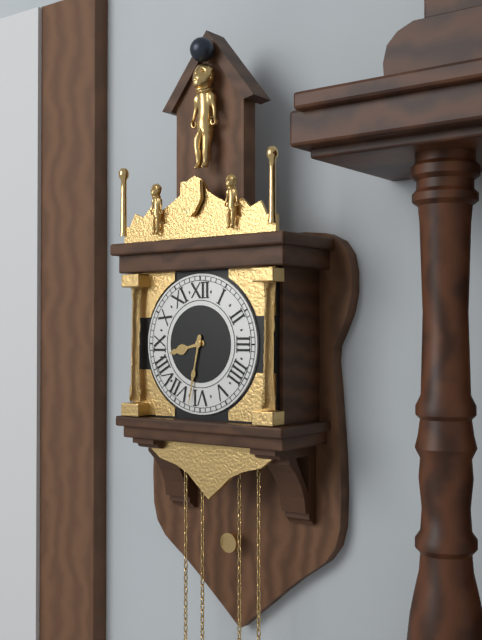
8h32
